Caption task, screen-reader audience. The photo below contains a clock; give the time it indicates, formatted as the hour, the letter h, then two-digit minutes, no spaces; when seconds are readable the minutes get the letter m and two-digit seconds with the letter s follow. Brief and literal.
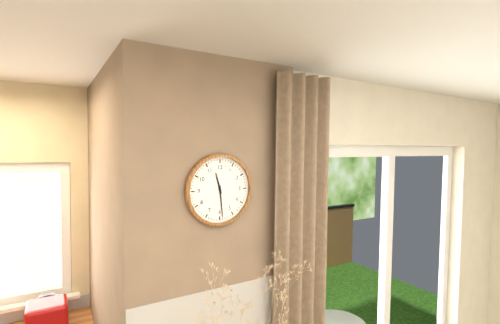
11h29
